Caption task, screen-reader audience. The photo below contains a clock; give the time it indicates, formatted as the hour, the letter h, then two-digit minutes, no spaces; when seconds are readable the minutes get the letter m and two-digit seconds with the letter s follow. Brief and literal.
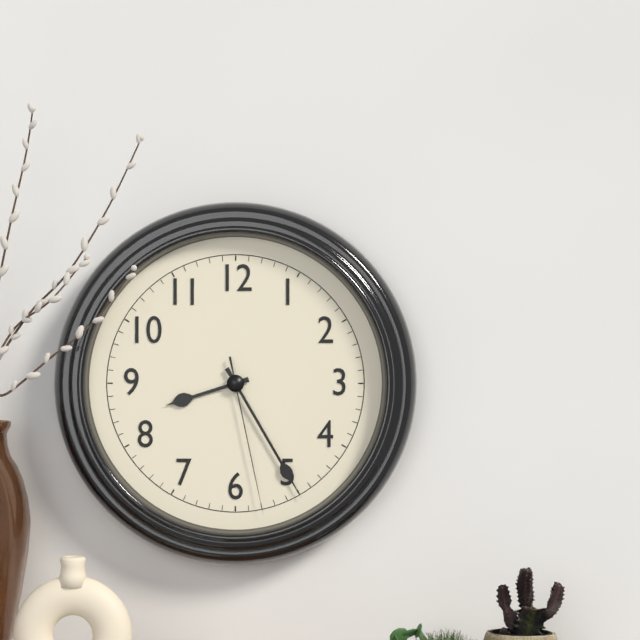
8h25m28s
